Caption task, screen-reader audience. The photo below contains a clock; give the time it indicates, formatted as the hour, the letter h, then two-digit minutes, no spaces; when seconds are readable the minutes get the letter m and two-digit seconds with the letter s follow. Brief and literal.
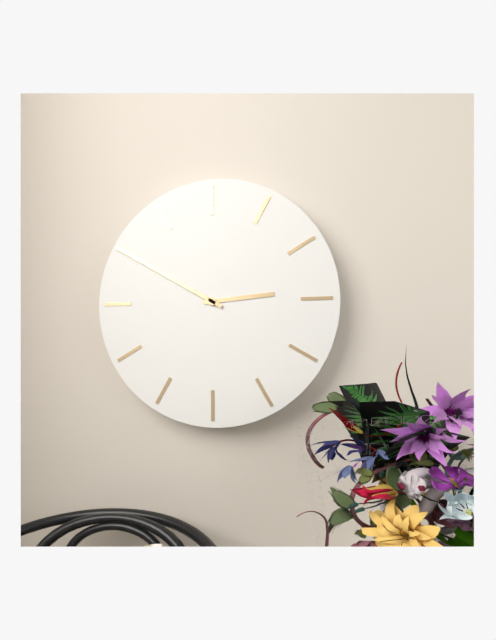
2h50
